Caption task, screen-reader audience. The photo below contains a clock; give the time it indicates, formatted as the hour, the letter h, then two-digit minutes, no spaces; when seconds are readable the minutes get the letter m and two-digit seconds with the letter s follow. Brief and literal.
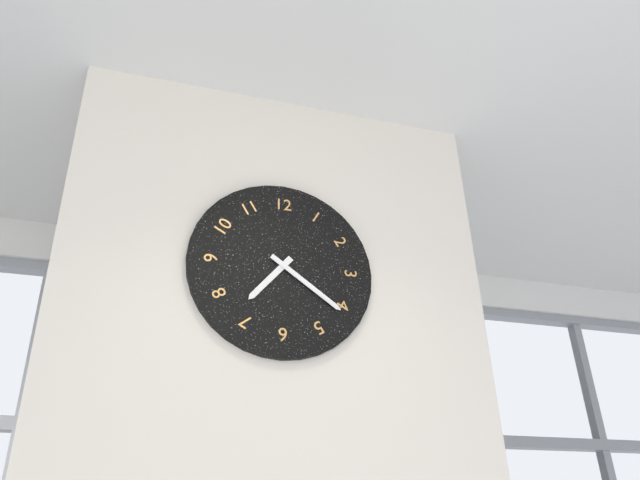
7h21
